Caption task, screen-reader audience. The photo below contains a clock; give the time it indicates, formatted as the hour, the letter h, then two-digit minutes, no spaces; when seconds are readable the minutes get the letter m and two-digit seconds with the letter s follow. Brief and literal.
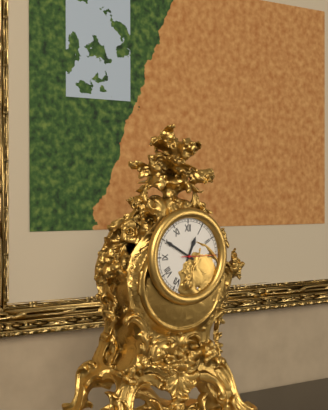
12h50
